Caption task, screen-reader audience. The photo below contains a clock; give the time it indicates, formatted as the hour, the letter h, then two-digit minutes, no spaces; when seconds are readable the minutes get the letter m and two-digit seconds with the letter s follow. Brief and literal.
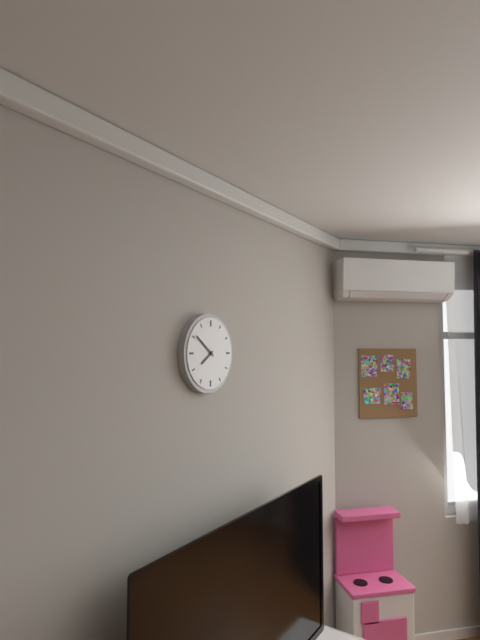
7h51
